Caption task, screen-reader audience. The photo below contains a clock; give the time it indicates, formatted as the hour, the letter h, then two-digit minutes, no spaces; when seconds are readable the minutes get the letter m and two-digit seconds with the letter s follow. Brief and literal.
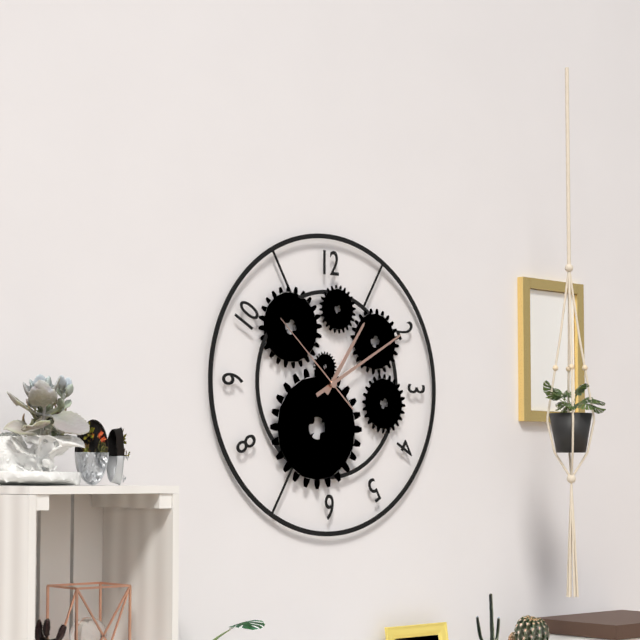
1h10m52s
